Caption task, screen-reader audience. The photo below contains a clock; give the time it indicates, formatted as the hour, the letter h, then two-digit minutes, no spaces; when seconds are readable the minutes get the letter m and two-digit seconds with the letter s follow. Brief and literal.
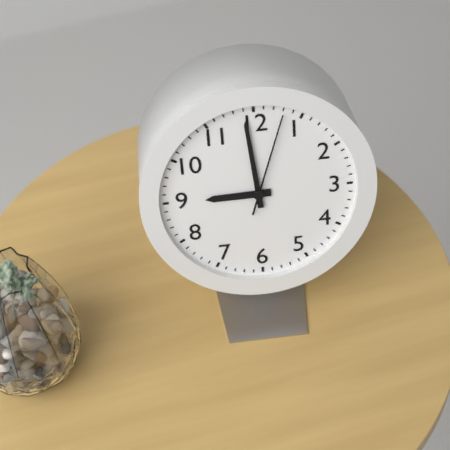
8h59m03s
